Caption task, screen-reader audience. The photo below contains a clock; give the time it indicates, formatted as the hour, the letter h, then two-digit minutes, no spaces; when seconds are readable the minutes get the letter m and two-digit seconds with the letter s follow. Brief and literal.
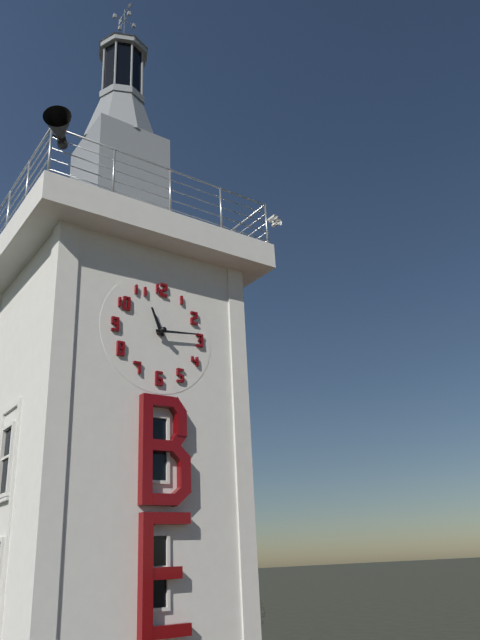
11h14
